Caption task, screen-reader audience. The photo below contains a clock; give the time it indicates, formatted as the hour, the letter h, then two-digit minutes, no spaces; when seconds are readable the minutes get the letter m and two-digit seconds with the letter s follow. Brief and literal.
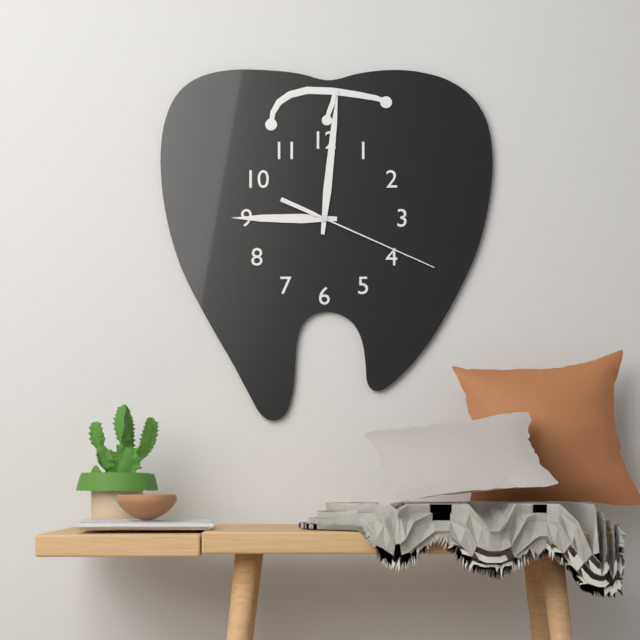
9h01m19s
